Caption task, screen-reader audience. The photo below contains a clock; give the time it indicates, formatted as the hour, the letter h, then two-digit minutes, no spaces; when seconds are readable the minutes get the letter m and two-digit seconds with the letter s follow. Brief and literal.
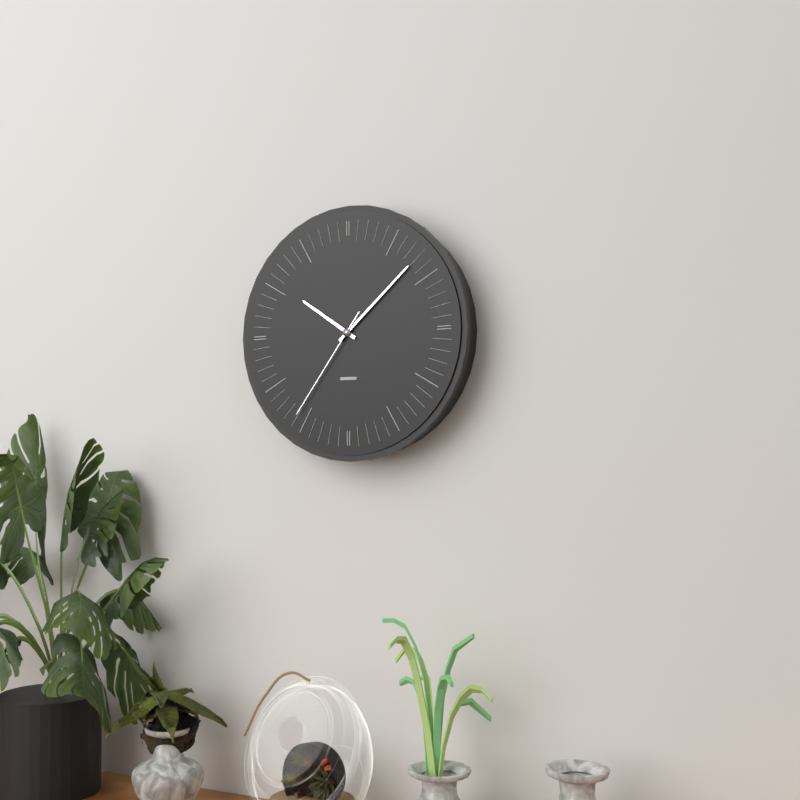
10h08m36s
